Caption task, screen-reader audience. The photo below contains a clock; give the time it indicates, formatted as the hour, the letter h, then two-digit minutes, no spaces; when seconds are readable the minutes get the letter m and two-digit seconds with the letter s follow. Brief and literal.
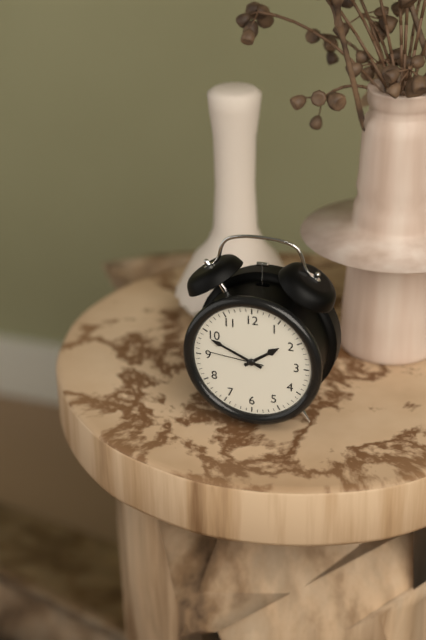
1h49m46s
